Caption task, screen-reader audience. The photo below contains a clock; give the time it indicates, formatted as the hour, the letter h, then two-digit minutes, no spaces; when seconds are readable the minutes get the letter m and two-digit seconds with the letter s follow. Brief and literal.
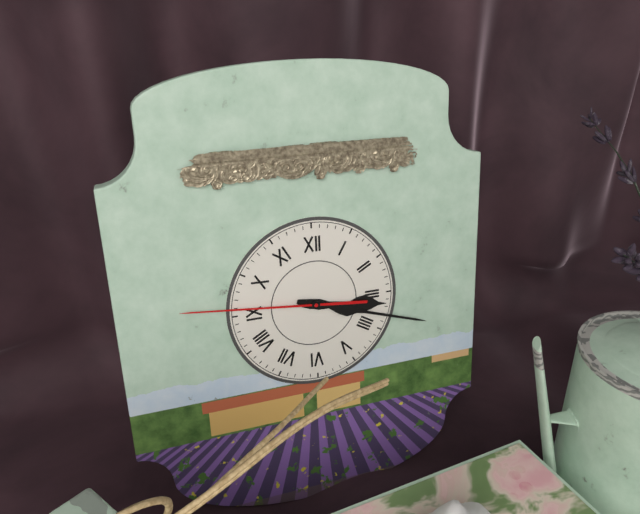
3h18m46s
